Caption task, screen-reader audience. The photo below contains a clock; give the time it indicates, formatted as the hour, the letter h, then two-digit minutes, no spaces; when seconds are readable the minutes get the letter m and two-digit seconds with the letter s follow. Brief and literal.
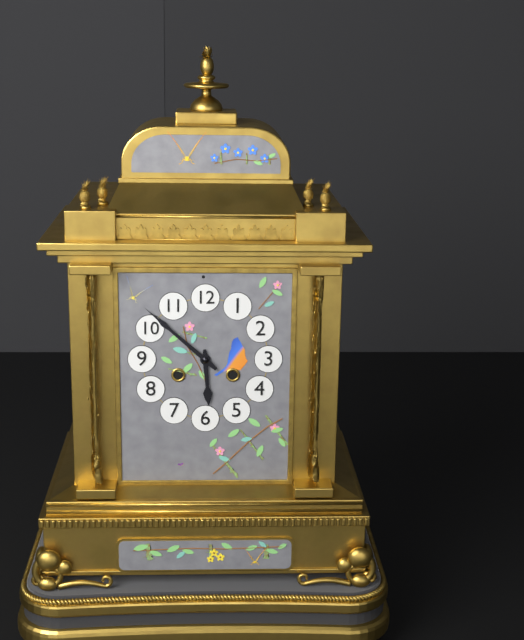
5h52
